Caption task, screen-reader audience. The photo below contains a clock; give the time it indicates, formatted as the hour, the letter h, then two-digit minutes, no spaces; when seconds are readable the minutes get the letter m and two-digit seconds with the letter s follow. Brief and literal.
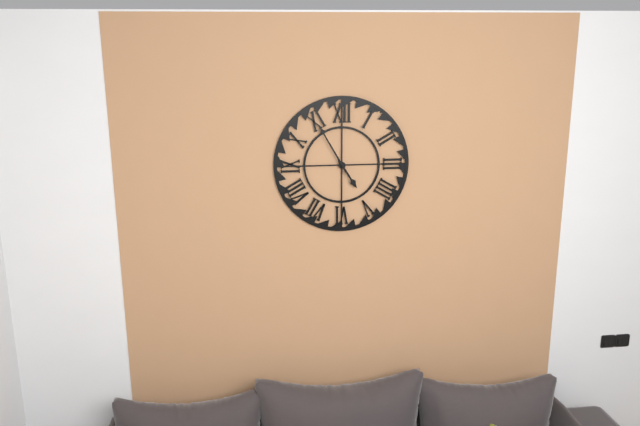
4h55
